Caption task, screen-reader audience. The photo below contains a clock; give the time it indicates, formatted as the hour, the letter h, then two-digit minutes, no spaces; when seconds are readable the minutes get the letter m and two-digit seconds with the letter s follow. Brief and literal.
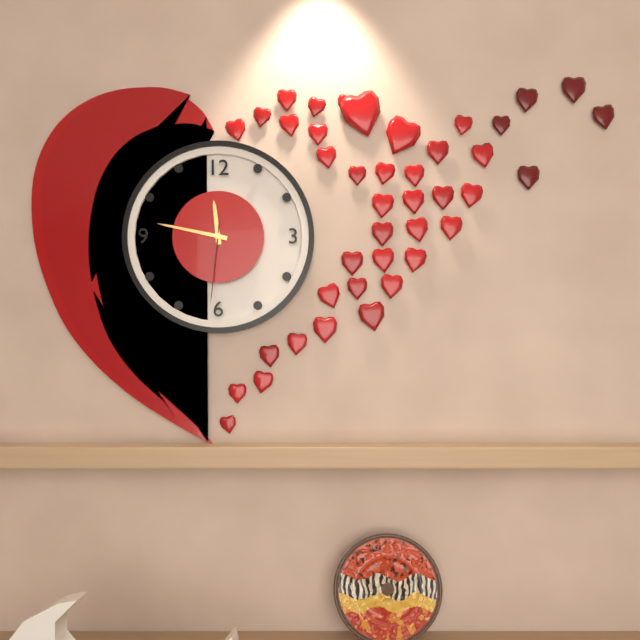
11h47m31s
